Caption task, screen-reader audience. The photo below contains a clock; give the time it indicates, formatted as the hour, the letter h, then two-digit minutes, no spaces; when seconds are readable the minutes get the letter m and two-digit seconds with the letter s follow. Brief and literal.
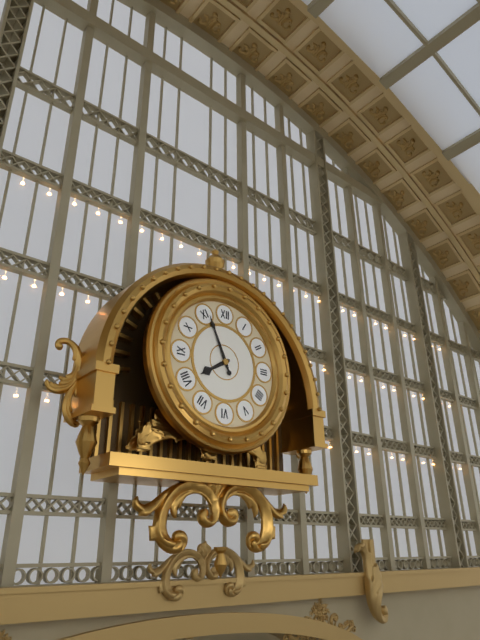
7h56
